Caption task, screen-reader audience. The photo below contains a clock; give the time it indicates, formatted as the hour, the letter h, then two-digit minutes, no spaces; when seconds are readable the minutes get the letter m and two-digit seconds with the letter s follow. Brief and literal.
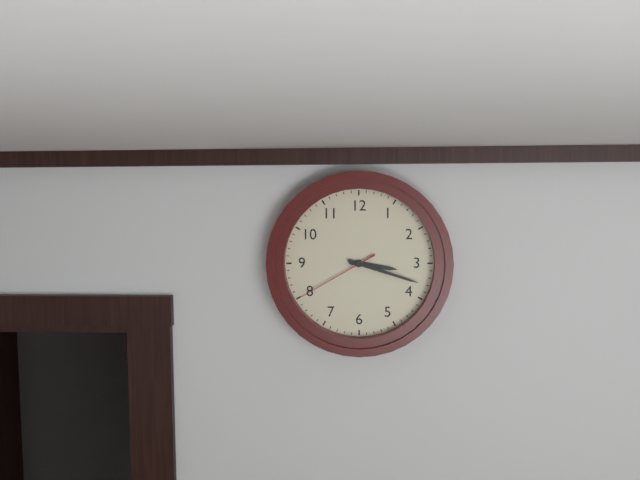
3h18m40s
